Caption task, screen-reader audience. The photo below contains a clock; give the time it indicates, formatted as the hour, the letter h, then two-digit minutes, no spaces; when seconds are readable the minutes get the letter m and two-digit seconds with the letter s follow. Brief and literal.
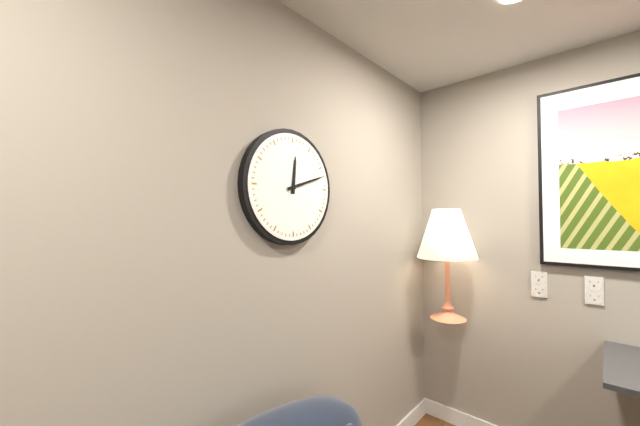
12h12
